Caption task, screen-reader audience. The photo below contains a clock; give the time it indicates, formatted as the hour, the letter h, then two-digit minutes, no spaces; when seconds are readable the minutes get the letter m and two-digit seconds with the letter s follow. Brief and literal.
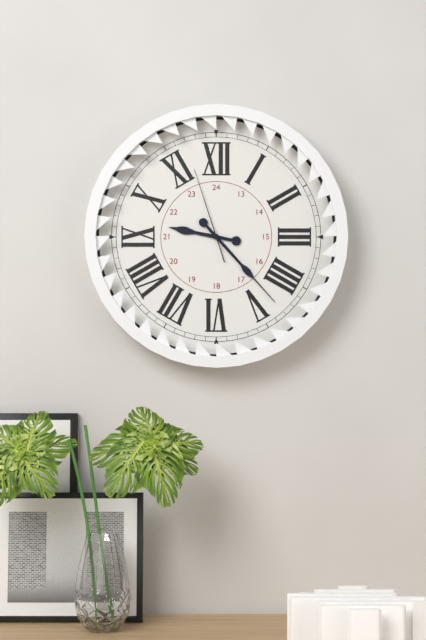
9h23m57s
